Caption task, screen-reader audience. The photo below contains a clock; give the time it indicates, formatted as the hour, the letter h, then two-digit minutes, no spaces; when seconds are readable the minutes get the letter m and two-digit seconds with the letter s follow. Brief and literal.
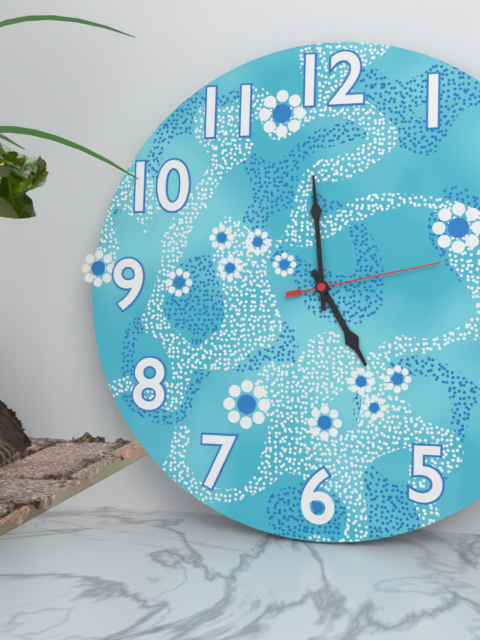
4h59m13s
